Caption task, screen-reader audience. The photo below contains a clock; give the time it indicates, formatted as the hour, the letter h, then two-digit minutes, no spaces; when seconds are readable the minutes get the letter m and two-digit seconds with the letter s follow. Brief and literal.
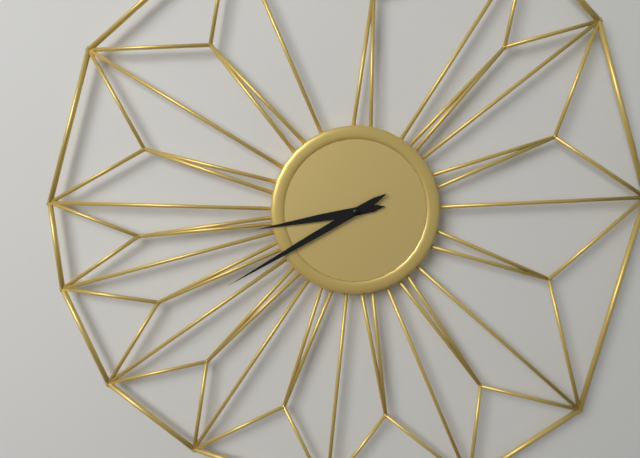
8h40
